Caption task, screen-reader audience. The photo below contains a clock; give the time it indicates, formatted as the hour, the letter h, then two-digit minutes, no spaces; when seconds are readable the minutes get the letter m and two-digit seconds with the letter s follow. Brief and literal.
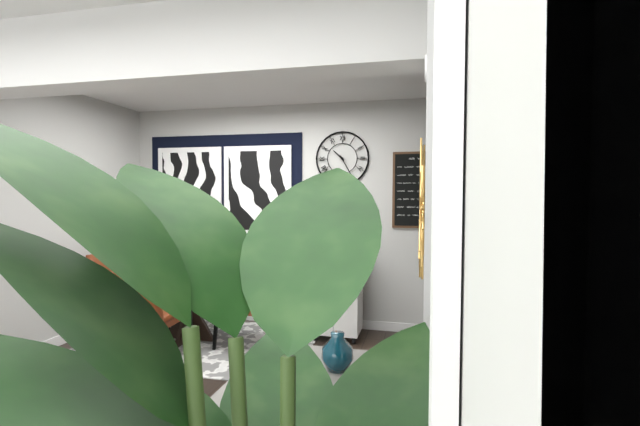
10h25
